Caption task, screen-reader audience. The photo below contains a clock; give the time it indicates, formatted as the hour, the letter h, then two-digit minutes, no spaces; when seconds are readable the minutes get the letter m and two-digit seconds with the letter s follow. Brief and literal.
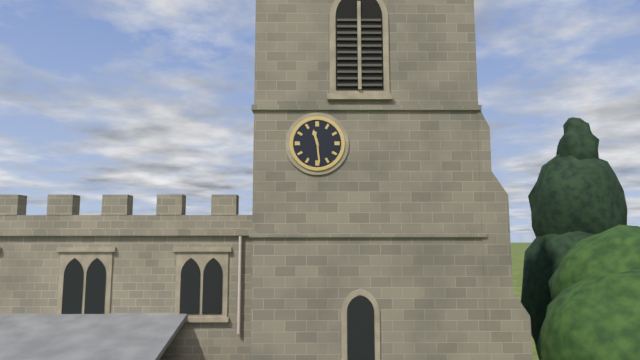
11h29
